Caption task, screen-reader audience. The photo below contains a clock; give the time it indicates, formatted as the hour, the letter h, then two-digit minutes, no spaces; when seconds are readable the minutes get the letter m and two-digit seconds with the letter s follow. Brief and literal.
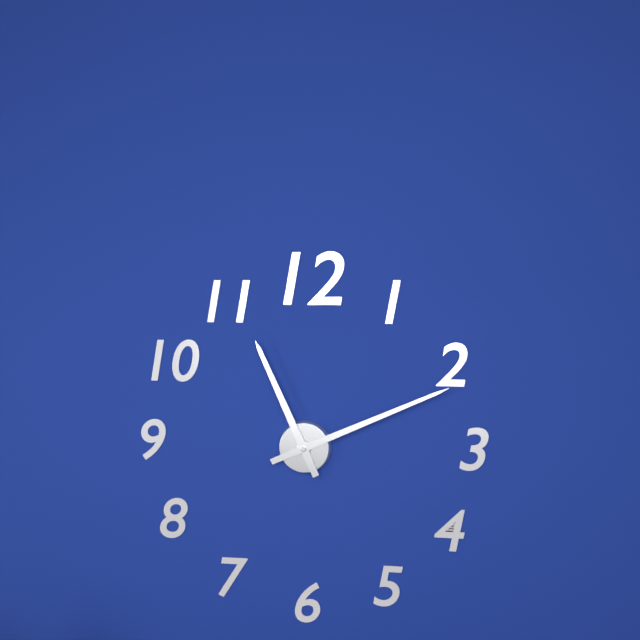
11h11
